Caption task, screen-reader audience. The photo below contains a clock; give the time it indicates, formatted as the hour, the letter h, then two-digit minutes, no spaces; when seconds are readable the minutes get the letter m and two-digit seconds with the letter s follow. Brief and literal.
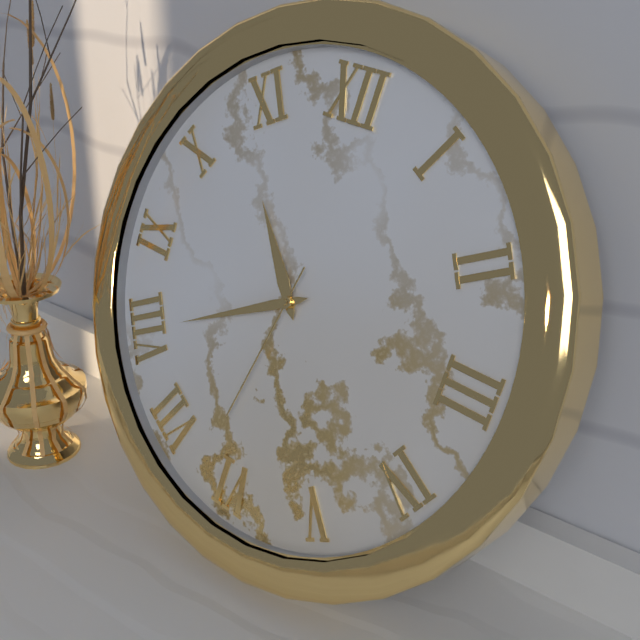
10h40m32s
